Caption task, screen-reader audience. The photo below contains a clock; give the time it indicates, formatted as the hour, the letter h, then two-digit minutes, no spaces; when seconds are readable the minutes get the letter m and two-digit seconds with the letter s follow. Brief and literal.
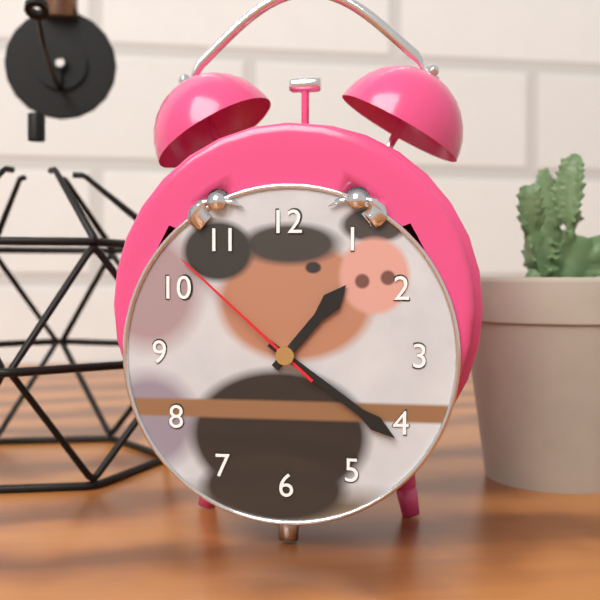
1h21m52s
